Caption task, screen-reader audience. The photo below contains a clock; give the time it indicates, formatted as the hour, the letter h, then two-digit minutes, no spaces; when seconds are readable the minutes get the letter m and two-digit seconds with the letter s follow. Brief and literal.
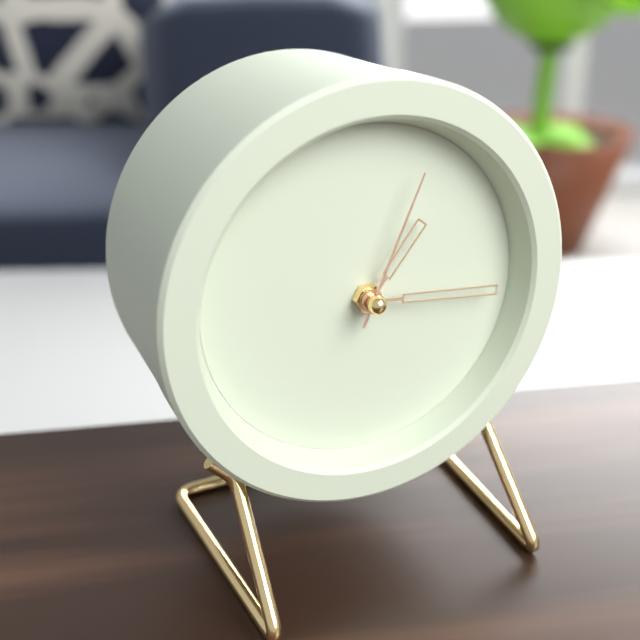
1h16m04s
